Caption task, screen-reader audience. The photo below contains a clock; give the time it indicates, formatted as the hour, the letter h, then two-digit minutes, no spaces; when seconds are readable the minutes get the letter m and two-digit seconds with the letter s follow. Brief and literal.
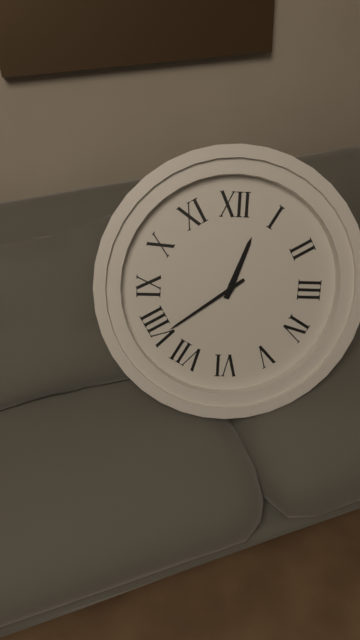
12h39
